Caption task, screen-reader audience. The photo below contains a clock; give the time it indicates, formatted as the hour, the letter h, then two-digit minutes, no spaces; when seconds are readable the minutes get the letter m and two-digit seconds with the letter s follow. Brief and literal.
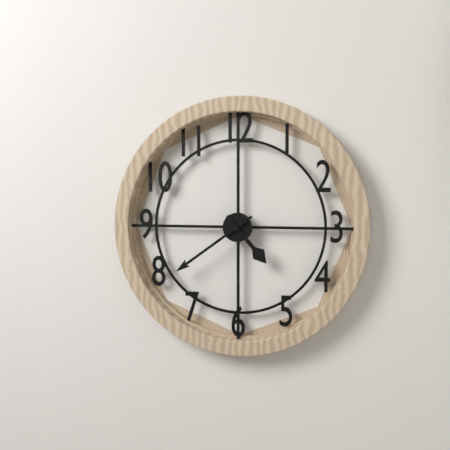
4h39
